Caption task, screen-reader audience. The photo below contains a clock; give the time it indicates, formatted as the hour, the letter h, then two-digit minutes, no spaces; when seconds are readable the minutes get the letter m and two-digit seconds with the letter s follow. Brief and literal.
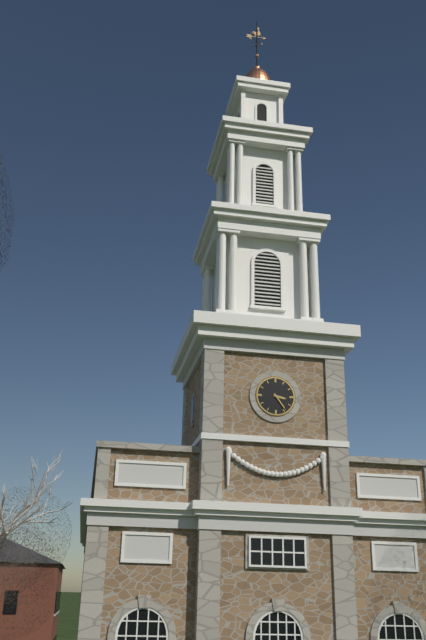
3h24
